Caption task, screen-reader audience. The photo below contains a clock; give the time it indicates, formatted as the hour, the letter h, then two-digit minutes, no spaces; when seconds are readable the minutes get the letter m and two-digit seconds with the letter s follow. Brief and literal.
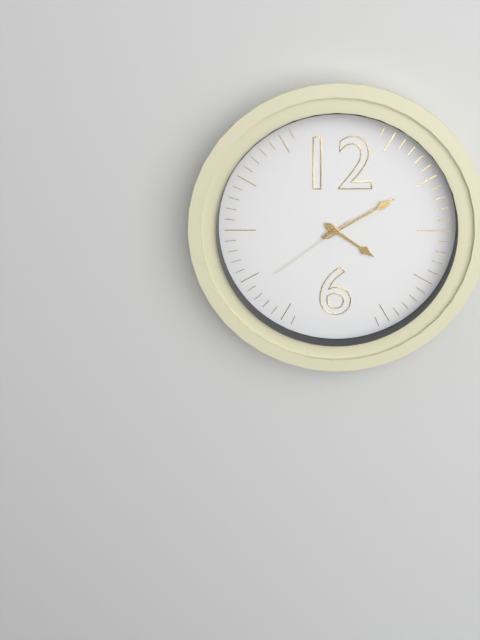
4h10m39s
